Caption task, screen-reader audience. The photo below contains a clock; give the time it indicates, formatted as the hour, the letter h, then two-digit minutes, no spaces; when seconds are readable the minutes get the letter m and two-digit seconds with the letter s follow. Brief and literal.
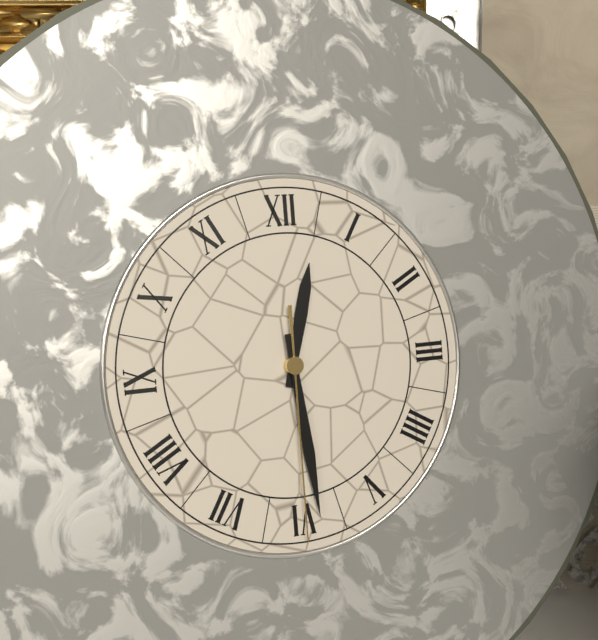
12h29m30s
